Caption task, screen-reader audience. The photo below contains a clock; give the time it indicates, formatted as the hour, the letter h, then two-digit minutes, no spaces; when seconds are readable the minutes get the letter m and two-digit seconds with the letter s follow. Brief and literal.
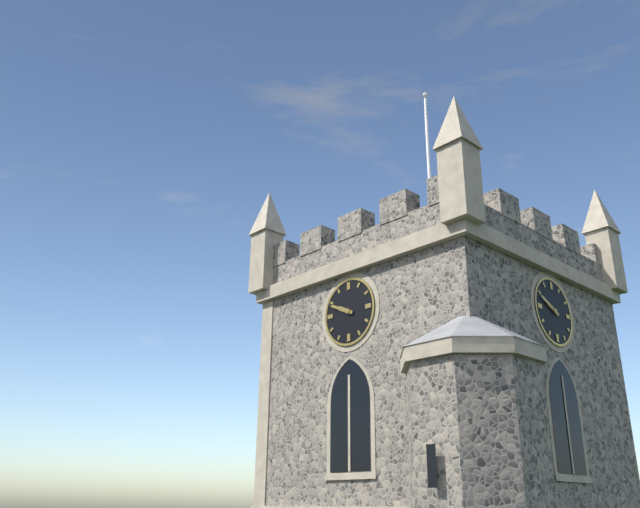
9h49
